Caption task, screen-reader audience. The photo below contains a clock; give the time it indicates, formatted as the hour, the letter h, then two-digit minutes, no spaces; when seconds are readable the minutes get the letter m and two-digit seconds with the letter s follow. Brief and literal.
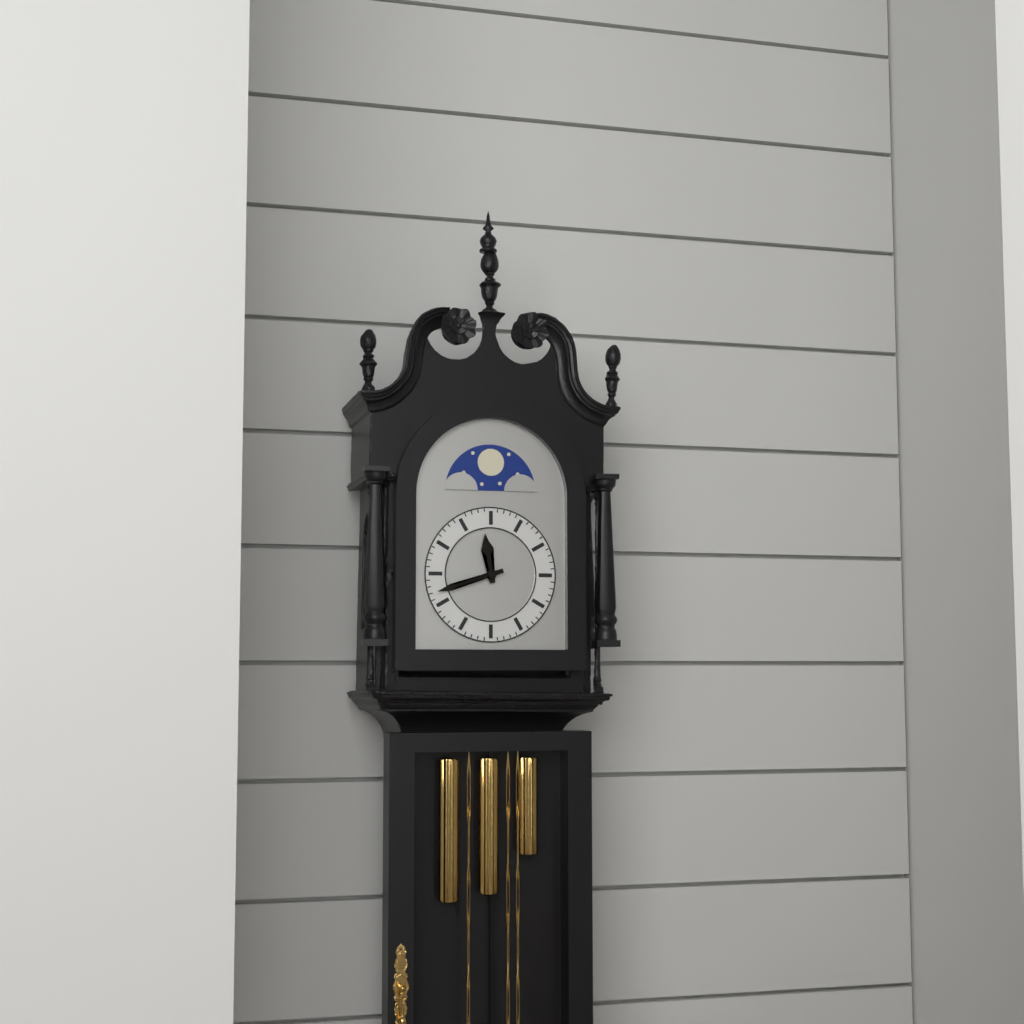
11h42
